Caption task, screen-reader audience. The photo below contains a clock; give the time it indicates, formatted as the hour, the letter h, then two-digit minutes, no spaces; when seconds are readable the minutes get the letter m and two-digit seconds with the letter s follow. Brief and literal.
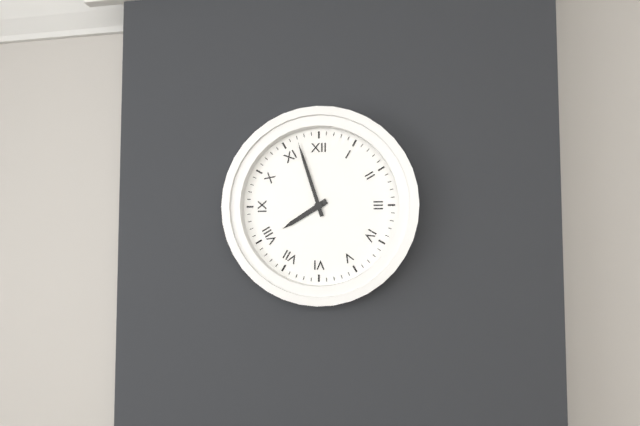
7h57
